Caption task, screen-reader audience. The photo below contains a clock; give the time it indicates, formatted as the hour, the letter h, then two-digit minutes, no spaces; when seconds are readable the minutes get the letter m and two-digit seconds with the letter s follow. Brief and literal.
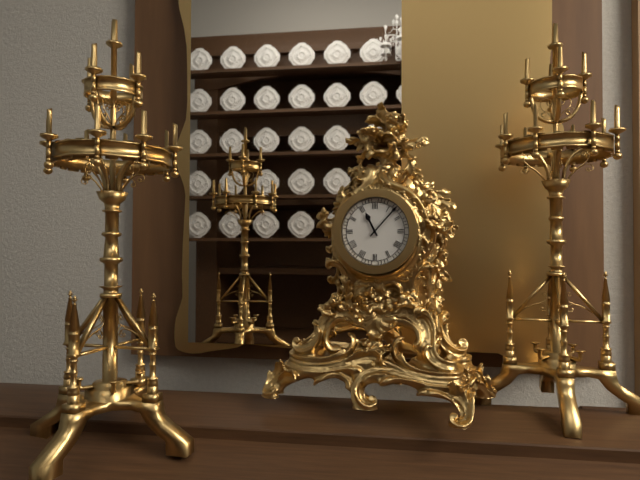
11h07
